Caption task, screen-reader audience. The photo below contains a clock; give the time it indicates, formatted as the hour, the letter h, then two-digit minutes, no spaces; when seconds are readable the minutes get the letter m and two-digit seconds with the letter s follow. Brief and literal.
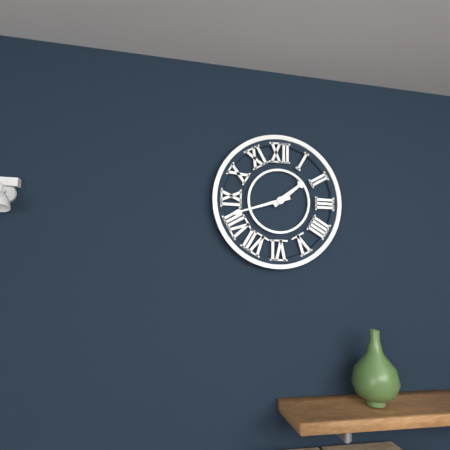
1h42
